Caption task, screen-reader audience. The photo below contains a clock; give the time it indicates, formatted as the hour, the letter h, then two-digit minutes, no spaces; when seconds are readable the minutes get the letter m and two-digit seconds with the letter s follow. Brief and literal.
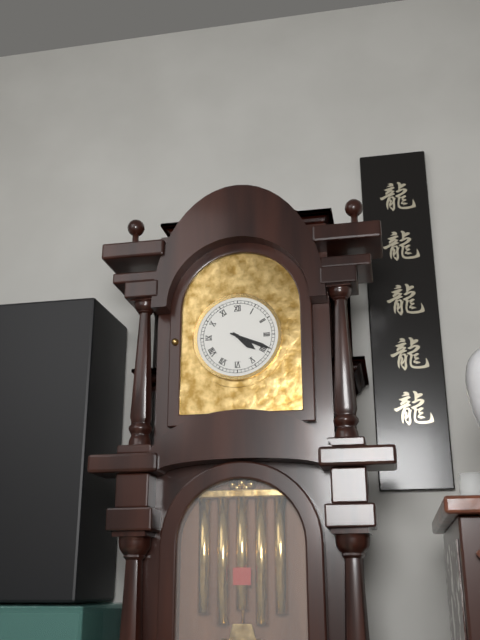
4h19
